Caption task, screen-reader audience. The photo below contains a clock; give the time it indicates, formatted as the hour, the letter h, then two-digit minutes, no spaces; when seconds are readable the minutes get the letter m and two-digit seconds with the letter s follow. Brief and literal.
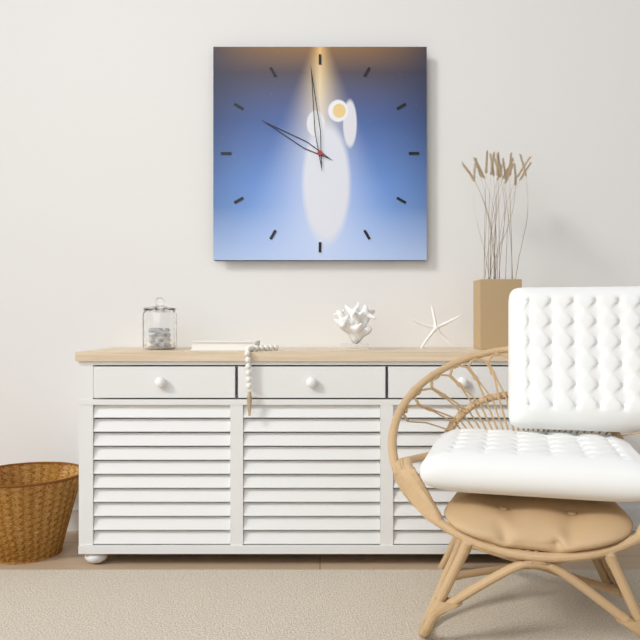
9h59
